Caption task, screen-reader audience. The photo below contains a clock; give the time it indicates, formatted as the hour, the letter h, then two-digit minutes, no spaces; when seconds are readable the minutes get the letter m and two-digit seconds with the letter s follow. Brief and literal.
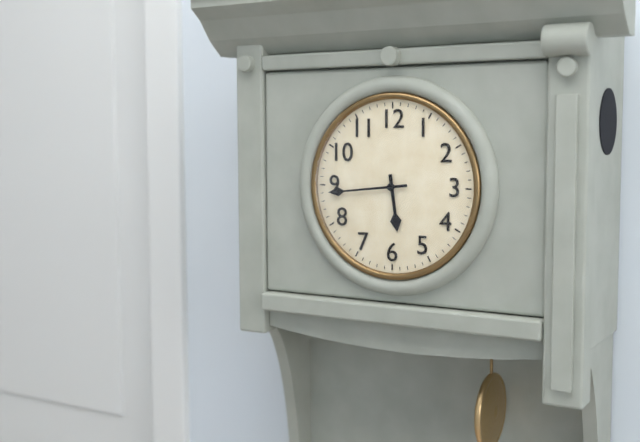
5h44
